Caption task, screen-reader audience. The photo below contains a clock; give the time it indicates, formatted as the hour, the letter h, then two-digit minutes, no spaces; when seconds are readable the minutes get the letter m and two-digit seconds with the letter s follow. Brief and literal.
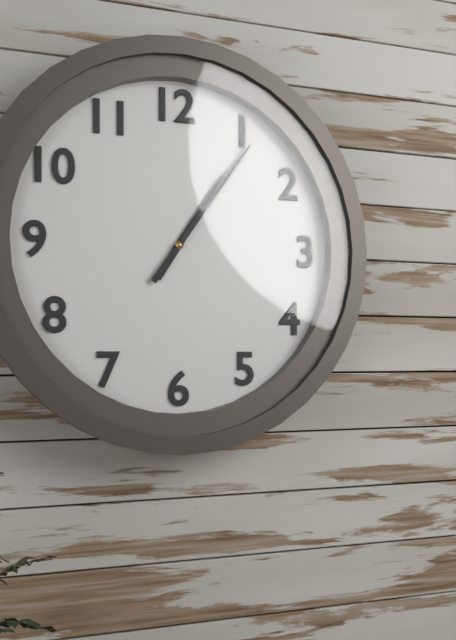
1h06
